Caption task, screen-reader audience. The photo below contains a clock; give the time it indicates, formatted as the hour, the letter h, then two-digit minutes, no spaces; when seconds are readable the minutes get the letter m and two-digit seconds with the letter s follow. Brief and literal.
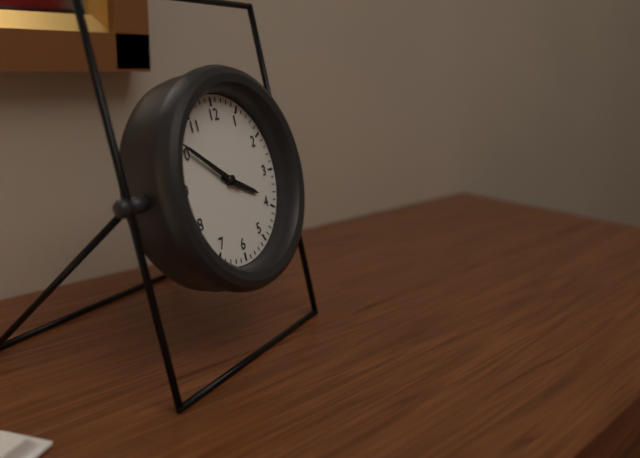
3h51
